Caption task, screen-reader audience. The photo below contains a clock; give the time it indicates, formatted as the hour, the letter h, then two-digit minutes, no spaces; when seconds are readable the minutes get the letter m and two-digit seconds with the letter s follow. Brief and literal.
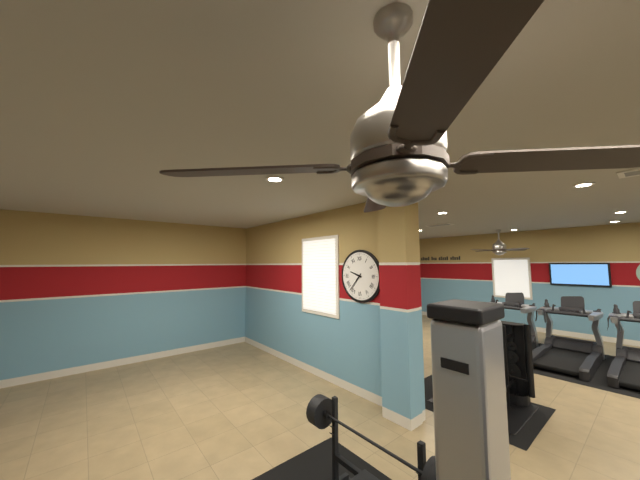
9h37
